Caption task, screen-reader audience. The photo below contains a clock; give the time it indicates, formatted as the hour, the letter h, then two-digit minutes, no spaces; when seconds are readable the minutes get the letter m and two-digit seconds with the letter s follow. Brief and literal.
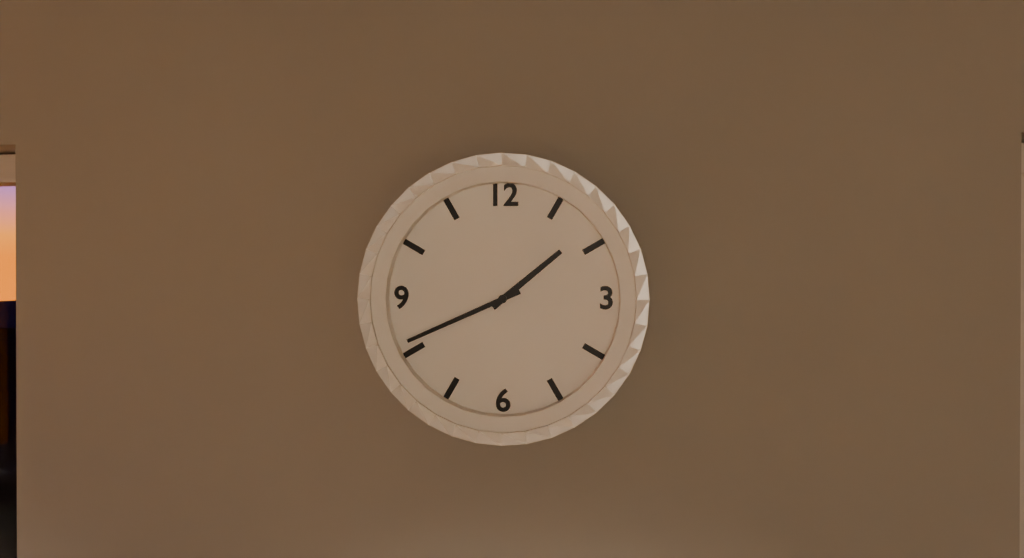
1h41
